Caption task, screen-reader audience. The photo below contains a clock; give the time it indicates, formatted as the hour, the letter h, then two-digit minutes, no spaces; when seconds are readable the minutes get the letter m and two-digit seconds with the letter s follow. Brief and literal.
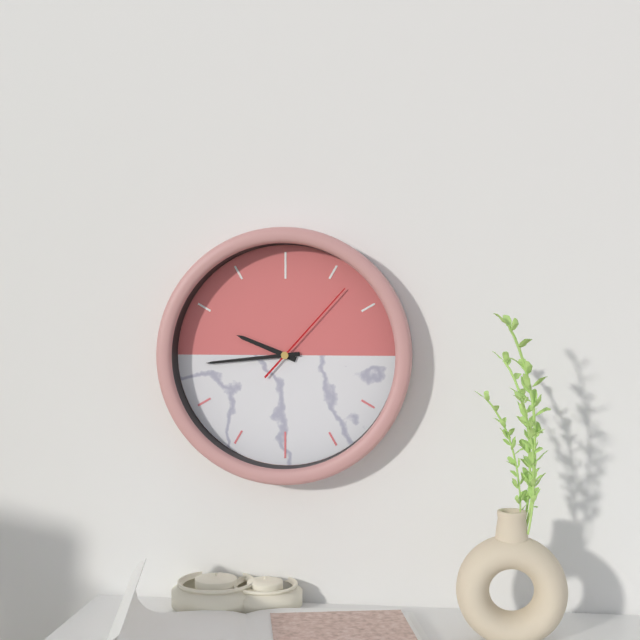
9h44m07s
